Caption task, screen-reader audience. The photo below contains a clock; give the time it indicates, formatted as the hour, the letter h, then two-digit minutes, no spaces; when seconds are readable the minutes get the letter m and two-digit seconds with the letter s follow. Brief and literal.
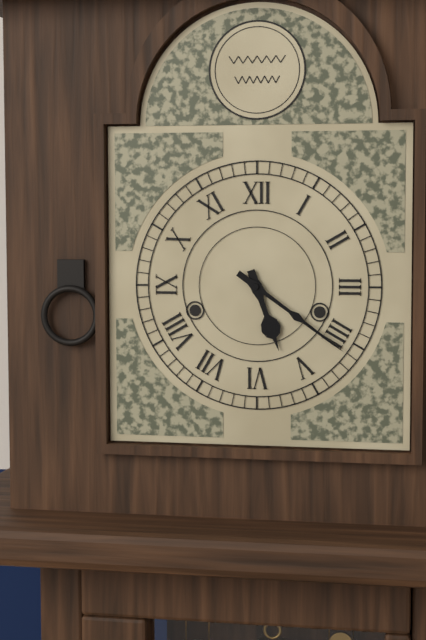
5h21
